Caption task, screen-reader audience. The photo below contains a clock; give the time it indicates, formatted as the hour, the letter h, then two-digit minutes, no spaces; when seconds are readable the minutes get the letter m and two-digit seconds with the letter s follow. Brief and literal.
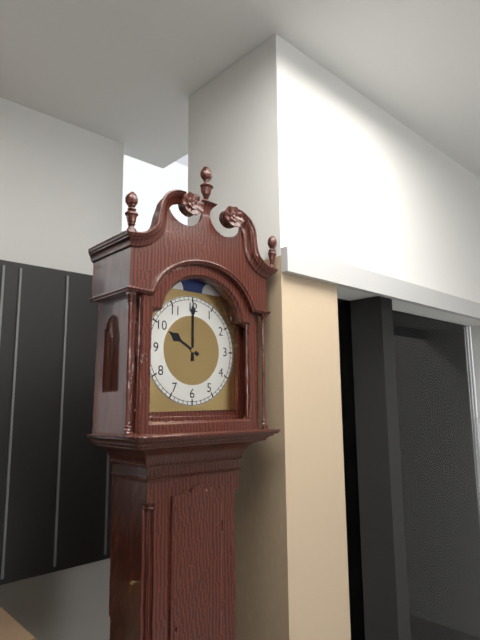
10h00
